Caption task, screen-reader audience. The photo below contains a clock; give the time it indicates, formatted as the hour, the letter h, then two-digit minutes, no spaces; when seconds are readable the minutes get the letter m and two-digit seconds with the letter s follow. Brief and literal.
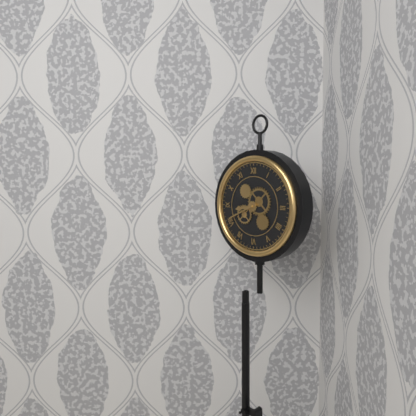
8h41
